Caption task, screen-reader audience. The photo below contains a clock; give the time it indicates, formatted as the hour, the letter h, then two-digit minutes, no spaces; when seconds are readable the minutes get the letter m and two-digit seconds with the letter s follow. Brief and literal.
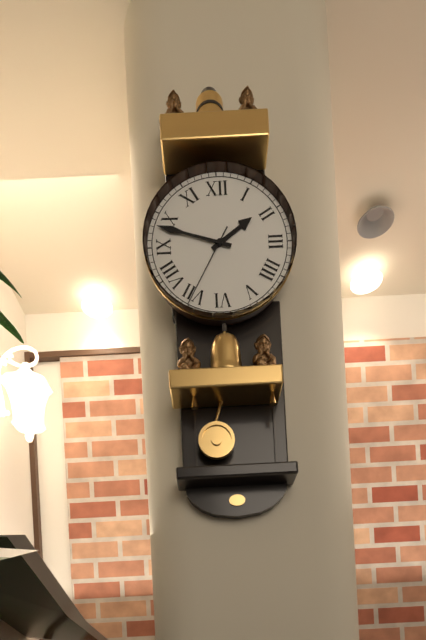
1h48m35s
